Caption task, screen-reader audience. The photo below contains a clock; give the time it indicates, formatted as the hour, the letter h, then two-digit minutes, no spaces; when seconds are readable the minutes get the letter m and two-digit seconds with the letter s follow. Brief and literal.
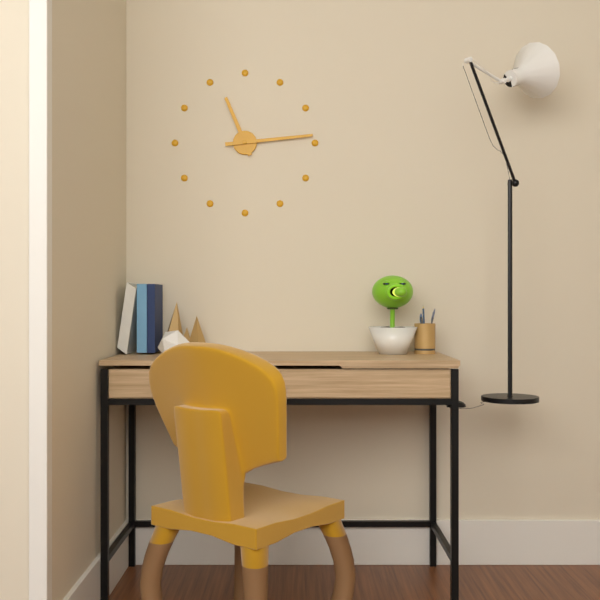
11h14
